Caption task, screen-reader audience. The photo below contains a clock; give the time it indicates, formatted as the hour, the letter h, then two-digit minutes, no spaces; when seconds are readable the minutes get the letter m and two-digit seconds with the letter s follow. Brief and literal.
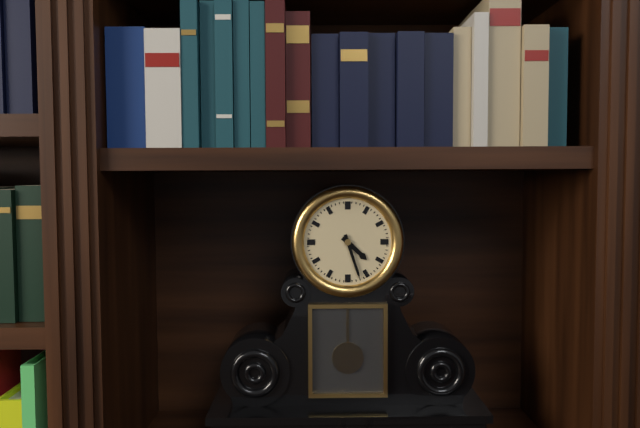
4h27
